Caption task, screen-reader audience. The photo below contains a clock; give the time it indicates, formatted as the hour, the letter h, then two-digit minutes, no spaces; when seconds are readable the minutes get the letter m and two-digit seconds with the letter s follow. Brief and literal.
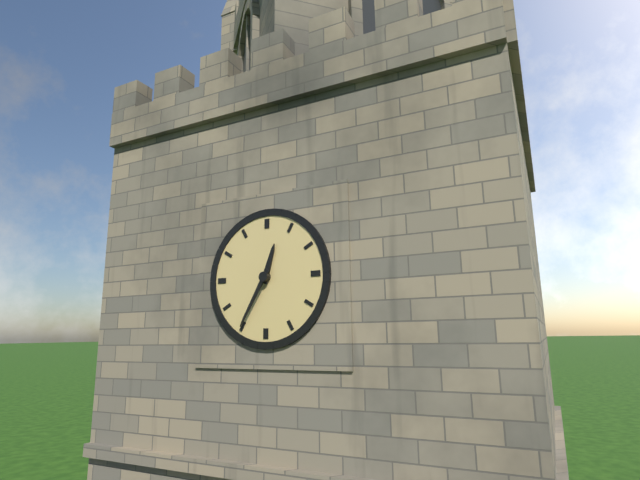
12h35
